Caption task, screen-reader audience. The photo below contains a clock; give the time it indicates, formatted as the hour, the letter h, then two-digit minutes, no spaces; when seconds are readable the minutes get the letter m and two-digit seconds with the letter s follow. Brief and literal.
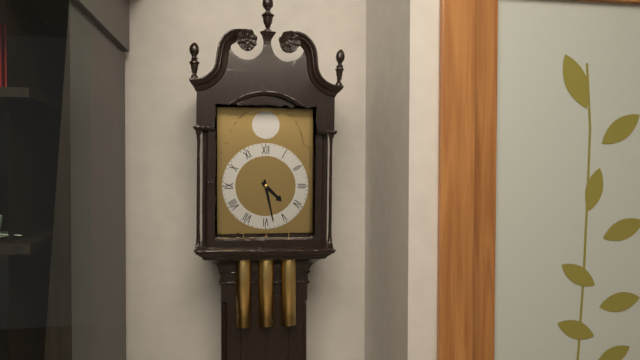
4h28
